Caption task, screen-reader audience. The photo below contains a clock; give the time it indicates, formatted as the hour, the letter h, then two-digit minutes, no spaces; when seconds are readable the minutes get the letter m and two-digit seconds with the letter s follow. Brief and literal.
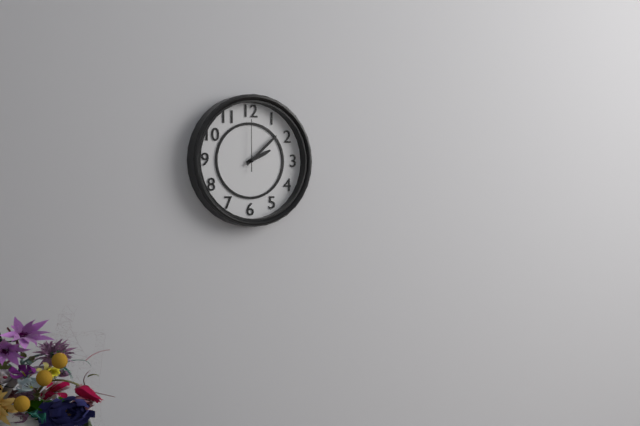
2h08m00s
